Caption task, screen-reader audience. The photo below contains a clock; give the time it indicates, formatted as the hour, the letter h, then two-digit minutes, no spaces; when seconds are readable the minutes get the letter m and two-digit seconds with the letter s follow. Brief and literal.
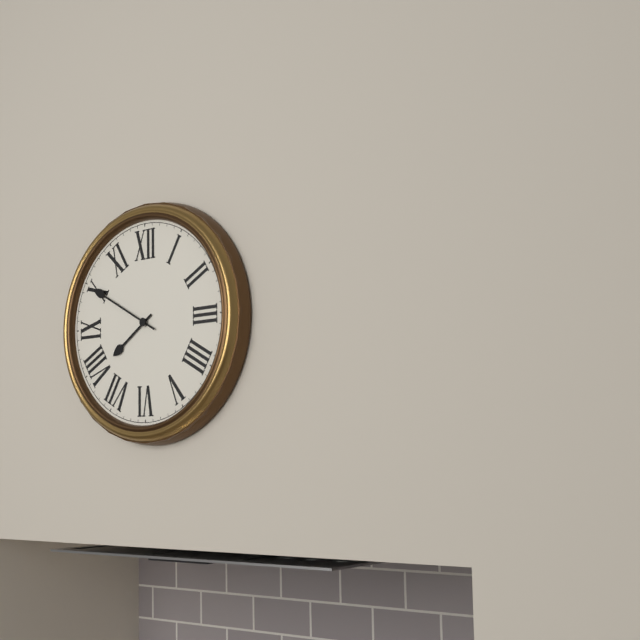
7h50
